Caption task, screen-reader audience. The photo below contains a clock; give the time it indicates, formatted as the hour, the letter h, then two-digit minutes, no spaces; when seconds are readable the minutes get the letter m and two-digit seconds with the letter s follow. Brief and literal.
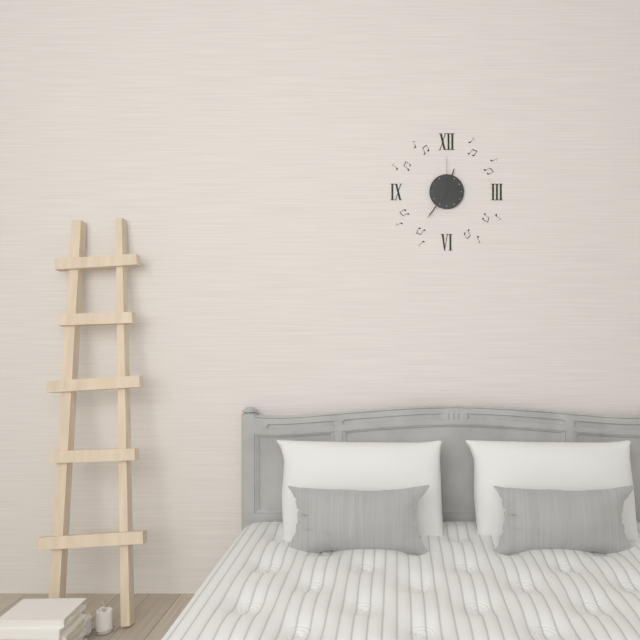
12h36
